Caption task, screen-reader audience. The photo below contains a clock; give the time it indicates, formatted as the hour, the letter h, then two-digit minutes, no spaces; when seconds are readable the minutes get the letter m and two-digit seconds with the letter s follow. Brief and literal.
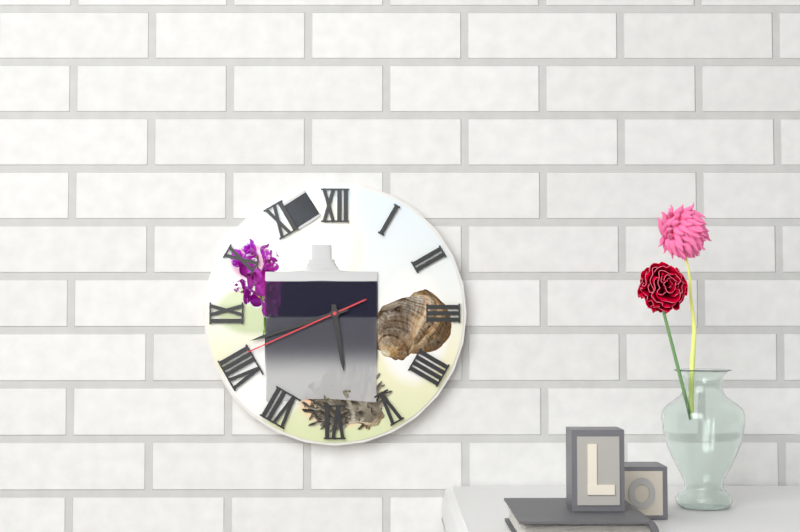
5h42m41s
